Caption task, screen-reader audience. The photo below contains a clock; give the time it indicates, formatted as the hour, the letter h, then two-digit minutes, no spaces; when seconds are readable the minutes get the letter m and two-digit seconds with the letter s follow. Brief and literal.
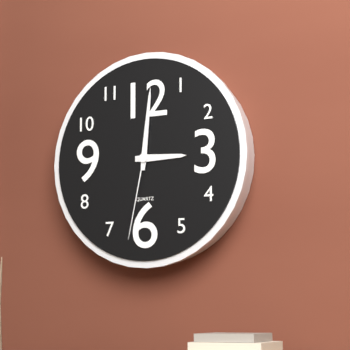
3h01m32s
